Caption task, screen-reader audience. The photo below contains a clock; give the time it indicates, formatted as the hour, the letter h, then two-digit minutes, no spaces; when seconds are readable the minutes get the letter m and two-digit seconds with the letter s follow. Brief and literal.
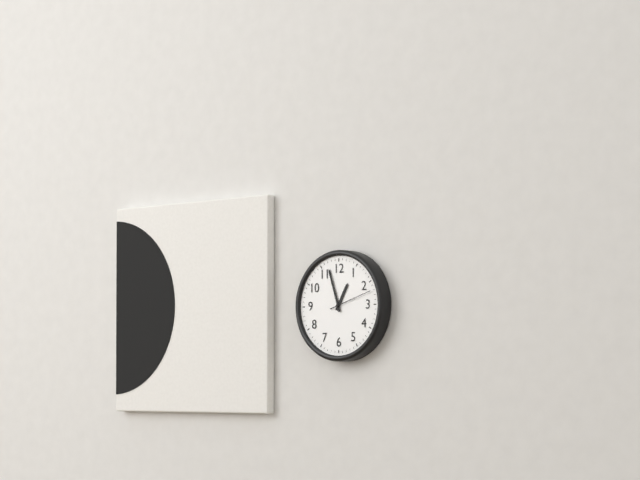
12h57
